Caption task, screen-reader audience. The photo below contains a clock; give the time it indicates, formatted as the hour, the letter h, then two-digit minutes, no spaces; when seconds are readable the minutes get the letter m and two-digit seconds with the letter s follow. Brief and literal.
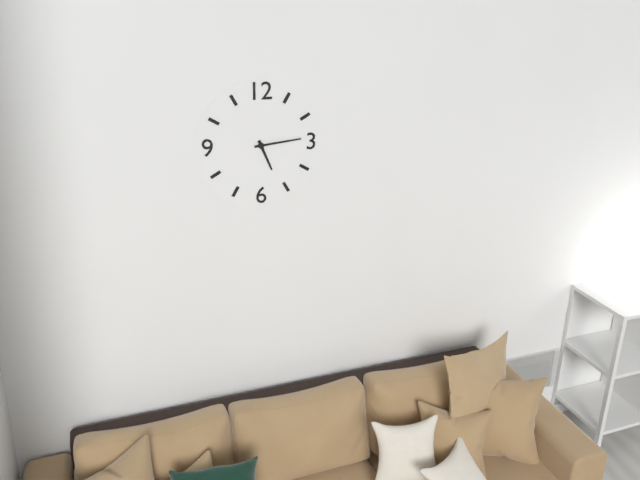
5h14
